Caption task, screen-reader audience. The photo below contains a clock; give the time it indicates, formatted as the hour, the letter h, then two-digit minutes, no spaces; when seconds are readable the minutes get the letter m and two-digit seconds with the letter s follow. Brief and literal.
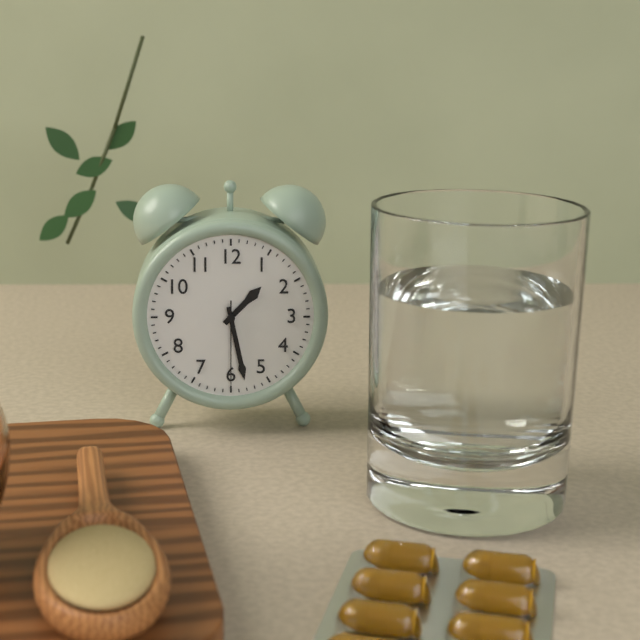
1h28m30s
